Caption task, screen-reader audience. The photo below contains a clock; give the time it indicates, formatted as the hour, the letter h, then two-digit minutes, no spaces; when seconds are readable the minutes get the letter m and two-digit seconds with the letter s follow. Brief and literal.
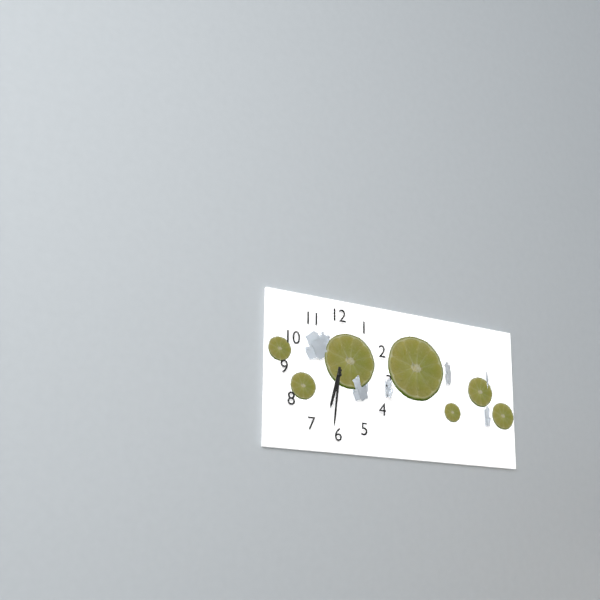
6h31
